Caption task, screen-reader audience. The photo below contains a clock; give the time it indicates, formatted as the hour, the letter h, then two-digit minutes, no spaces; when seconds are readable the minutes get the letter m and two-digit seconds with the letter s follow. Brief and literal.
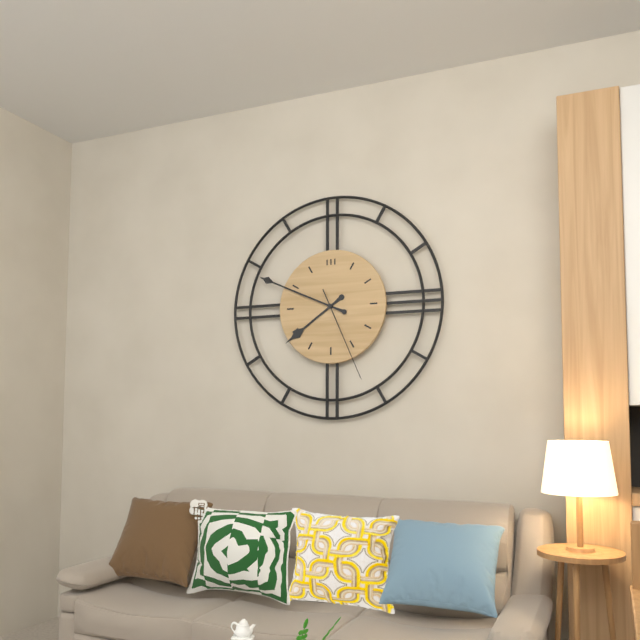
7h49m26s
